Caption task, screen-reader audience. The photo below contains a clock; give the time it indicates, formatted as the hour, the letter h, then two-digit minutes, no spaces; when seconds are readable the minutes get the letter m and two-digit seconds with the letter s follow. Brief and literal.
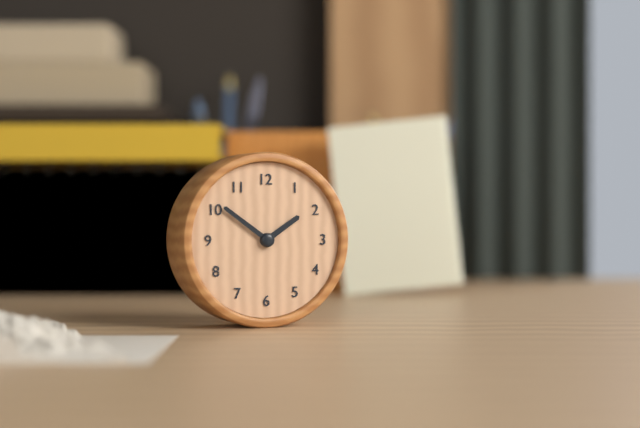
1h51
